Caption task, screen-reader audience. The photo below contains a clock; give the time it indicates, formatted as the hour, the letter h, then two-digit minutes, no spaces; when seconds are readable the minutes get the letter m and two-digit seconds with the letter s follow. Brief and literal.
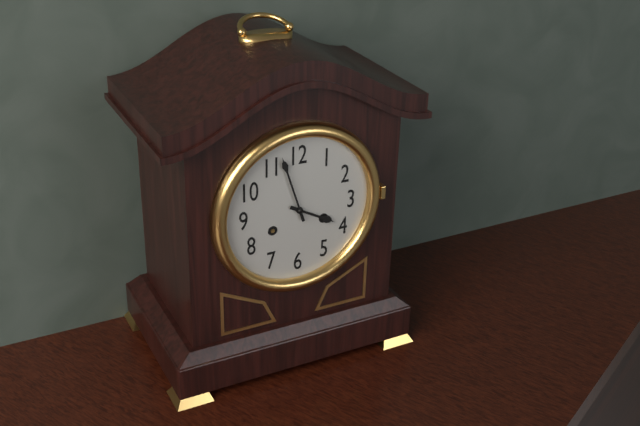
3h57
